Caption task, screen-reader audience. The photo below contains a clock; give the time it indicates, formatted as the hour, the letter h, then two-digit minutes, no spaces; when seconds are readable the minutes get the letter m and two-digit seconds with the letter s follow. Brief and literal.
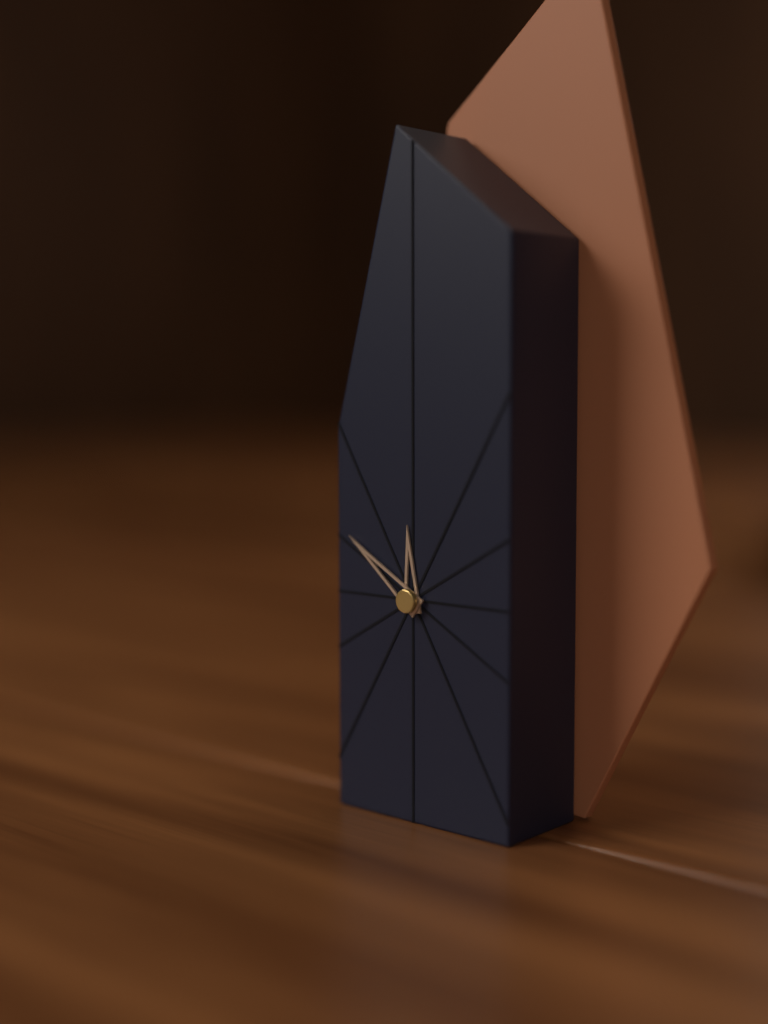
11h51
